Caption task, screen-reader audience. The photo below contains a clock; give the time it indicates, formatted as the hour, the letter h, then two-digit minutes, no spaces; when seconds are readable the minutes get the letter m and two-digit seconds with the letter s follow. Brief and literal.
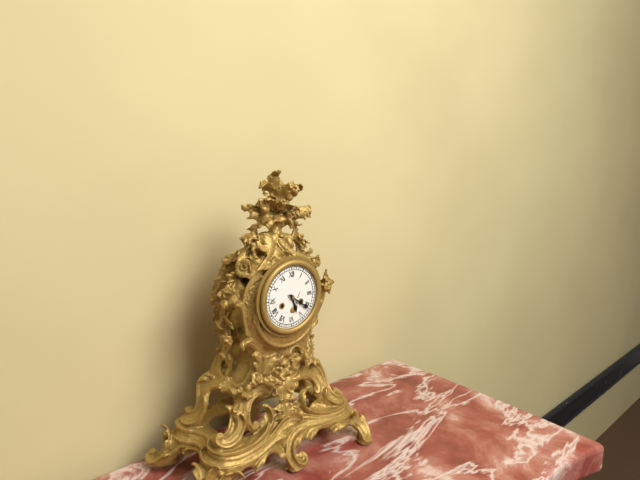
5h21
